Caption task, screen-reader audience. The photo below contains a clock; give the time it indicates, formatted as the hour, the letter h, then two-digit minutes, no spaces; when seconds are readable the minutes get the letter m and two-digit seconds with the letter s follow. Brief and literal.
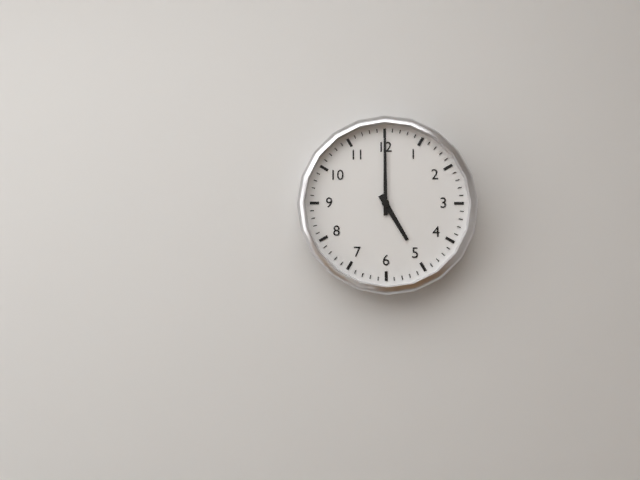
5h00
